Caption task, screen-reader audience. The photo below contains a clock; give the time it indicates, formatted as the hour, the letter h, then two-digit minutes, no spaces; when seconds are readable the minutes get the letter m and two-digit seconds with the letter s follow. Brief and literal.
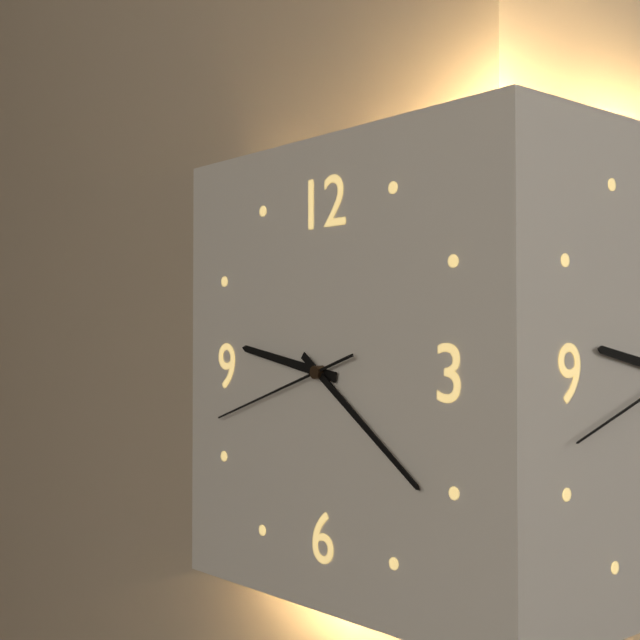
9h21m42s
